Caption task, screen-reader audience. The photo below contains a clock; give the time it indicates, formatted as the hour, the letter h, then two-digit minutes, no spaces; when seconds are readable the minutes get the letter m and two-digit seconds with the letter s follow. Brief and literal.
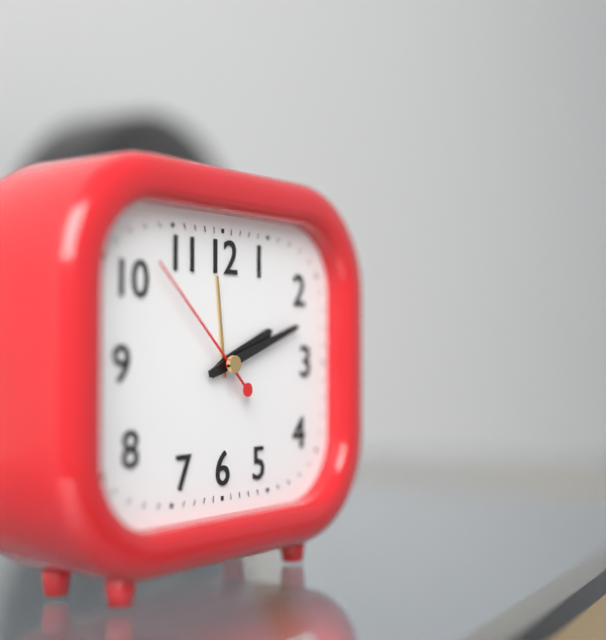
2h12m52s
